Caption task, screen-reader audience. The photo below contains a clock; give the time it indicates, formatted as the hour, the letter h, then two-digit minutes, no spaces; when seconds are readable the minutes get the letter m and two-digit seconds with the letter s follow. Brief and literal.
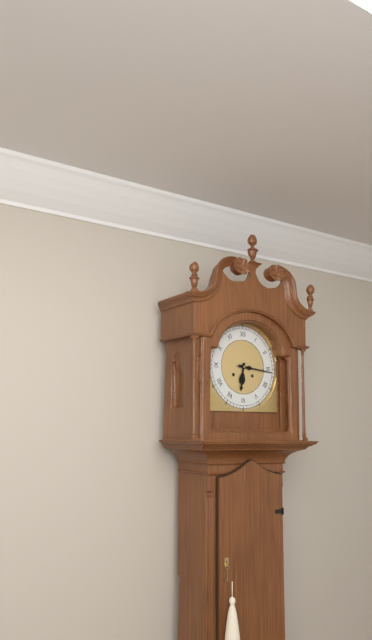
6h16
